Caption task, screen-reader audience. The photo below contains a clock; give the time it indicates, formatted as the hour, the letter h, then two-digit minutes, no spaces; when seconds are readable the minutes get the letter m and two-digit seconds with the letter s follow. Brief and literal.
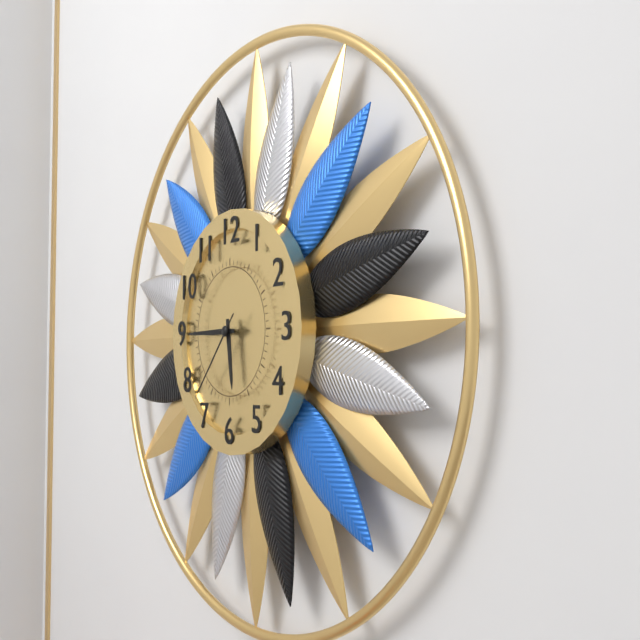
5h45m37s
